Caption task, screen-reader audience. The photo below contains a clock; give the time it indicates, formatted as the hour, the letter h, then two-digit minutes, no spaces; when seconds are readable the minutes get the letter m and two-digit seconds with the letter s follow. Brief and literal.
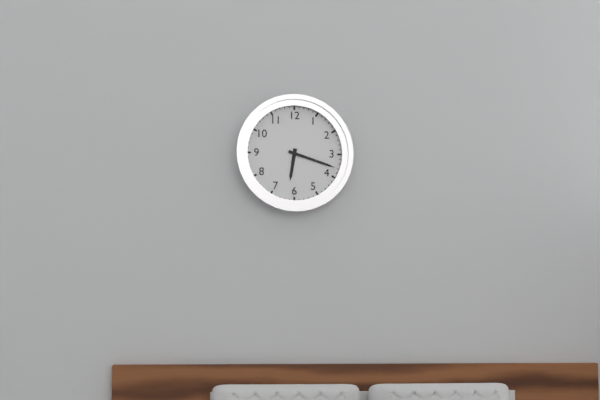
6h18
